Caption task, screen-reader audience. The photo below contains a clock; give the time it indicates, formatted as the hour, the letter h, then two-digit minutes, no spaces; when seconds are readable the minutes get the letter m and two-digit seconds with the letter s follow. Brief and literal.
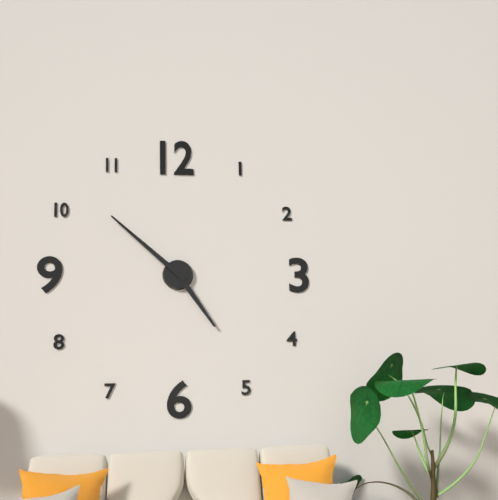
4h52
